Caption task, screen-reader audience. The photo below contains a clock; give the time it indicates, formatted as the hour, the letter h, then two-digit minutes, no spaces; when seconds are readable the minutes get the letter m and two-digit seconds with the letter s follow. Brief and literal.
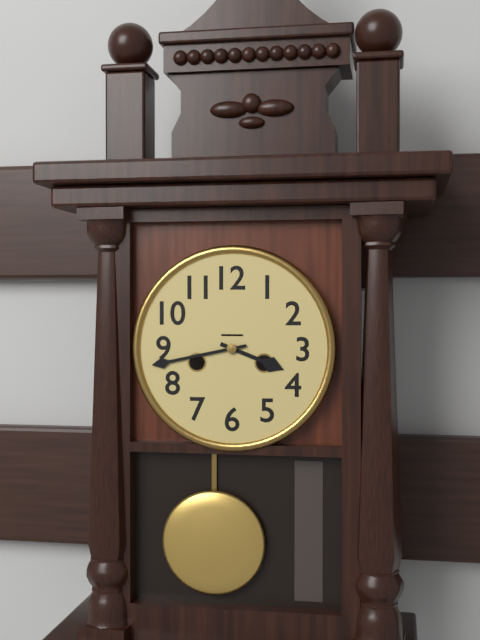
3h43
